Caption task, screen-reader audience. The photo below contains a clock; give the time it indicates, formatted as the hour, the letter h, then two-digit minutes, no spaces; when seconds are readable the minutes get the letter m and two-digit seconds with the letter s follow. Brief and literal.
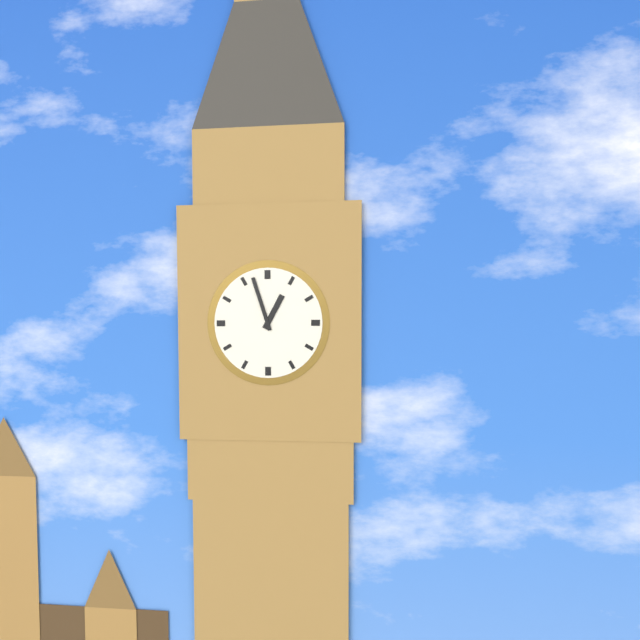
12h57
